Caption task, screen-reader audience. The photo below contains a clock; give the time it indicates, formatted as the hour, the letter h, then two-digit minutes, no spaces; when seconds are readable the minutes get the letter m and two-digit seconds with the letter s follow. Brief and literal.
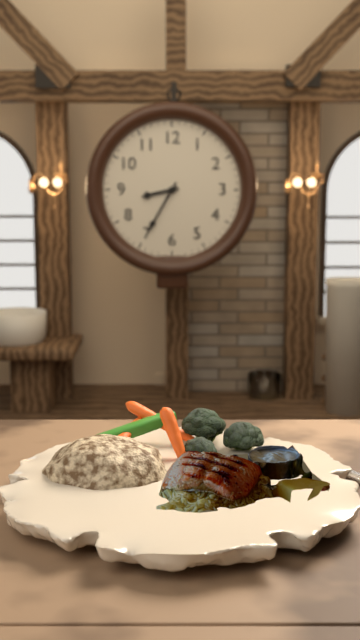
8h35
